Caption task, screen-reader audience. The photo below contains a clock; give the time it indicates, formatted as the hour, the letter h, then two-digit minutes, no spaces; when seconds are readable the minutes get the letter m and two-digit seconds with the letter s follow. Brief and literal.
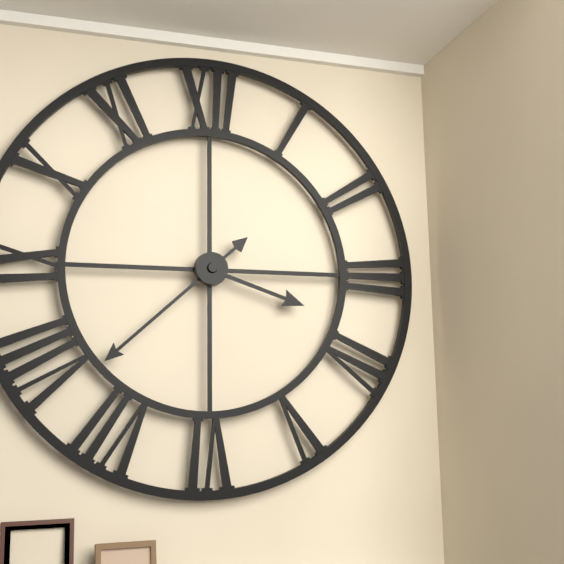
3h38
